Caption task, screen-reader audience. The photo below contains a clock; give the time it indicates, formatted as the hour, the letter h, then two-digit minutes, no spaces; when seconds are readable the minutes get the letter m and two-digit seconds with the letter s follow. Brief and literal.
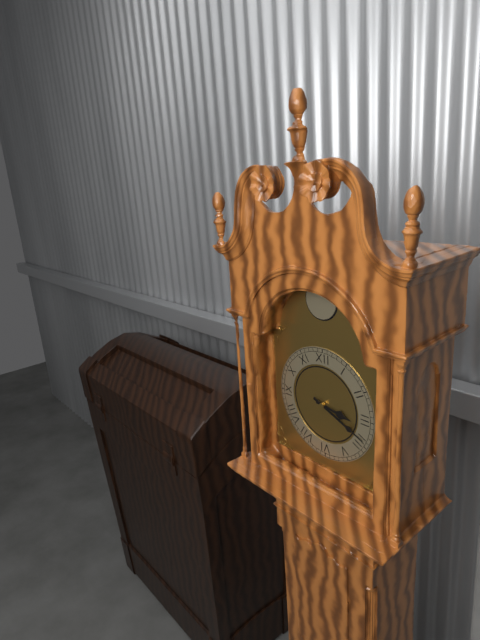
3h19
